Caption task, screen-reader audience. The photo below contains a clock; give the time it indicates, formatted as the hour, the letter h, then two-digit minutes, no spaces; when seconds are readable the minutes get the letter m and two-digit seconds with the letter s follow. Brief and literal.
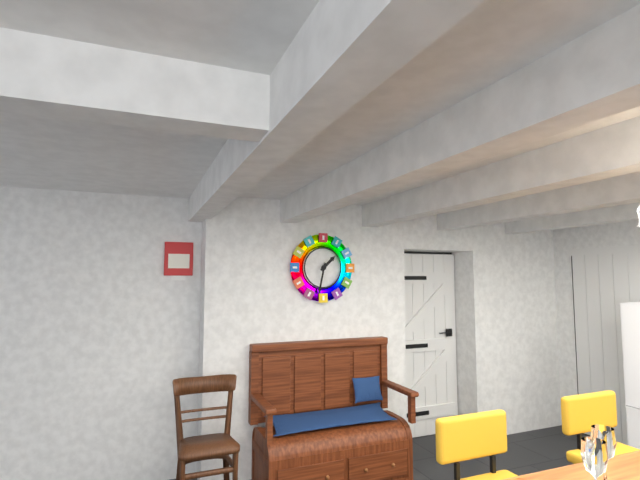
1h32
